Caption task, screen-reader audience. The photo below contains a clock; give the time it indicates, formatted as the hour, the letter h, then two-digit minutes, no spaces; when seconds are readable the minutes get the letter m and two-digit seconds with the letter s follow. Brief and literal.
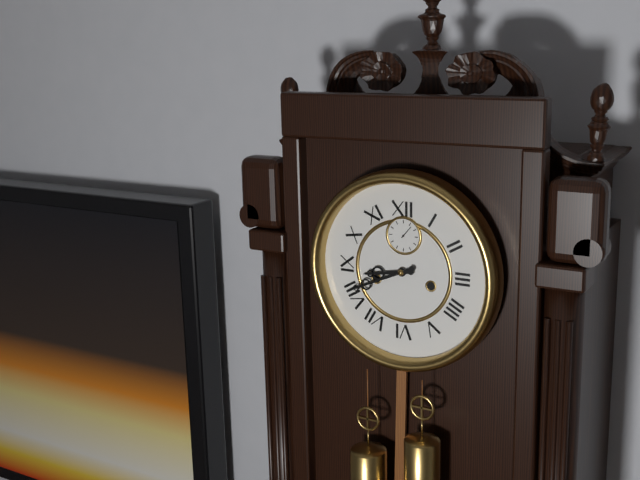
8h41
